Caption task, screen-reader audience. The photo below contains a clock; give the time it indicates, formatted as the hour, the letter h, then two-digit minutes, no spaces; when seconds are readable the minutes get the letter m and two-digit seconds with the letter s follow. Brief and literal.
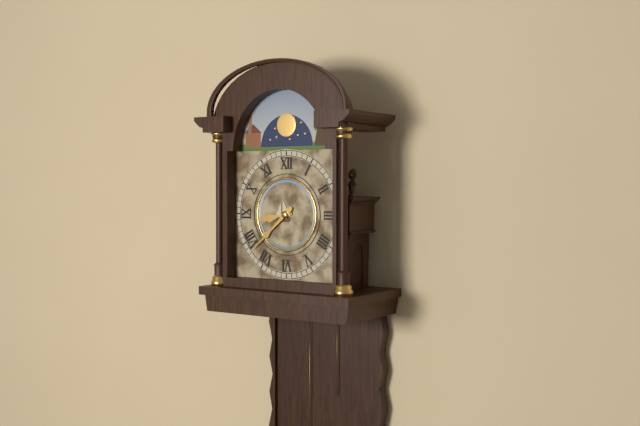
8h38
